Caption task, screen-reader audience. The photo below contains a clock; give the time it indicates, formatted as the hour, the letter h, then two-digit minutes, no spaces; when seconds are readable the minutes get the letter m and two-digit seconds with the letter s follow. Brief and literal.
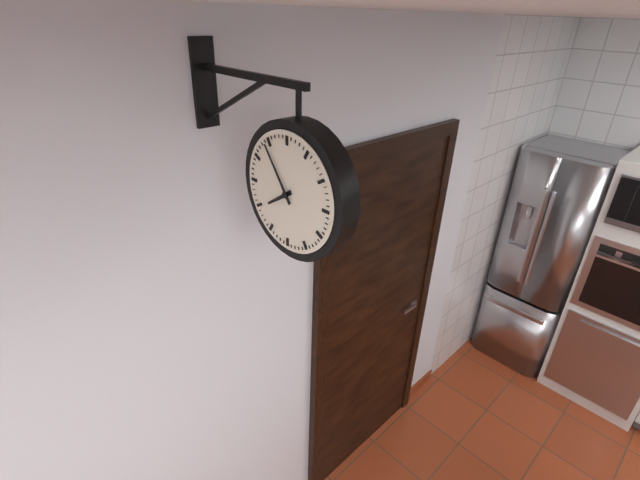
7h54
